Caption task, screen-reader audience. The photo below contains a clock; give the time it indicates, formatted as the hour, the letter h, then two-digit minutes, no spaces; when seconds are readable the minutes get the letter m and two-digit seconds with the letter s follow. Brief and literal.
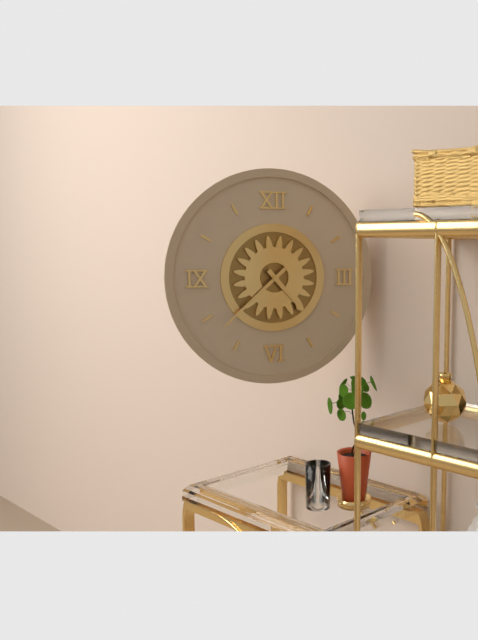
4h38
